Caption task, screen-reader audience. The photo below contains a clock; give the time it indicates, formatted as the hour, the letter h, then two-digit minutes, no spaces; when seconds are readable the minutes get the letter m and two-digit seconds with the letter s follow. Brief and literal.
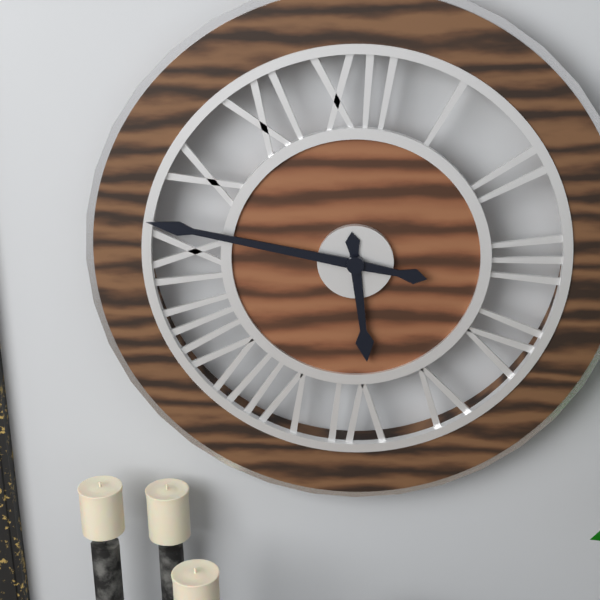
5h47
